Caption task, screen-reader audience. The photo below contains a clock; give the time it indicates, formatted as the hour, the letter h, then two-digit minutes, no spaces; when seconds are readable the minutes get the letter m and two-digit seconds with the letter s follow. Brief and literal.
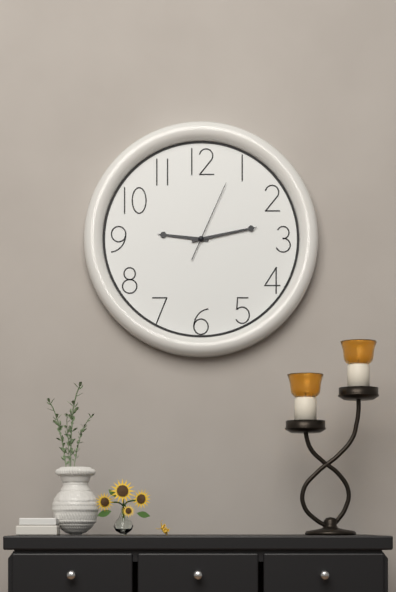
9h13m04s
